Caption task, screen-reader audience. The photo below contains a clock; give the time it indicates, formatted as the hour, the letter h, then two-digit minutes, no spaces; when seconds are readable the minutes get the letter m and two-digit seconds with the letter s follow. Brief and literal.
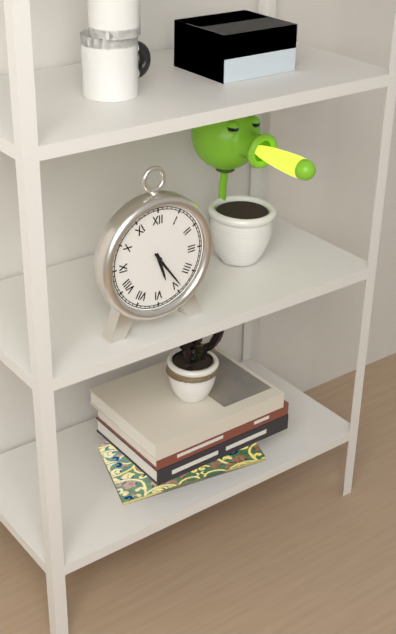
5h24
